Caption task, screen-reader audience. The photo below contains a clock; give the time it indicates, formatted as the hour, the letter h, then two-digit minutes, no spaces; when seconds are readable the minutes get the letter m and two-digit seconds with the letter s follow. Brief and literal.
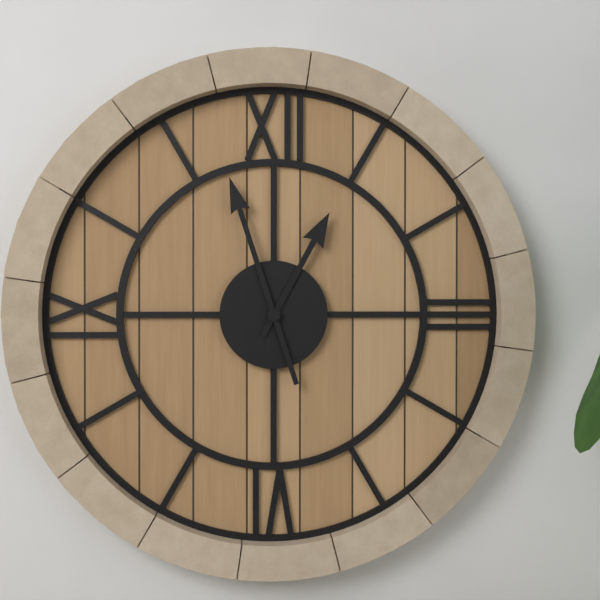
12h57
